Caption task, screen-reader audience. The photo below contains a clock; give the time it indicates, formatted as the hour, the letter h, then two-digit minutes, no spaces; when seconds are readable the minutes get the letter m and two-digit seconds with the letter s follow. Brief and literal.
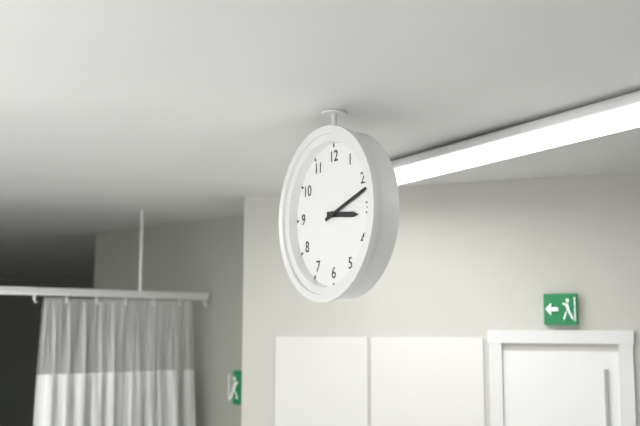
3h12
